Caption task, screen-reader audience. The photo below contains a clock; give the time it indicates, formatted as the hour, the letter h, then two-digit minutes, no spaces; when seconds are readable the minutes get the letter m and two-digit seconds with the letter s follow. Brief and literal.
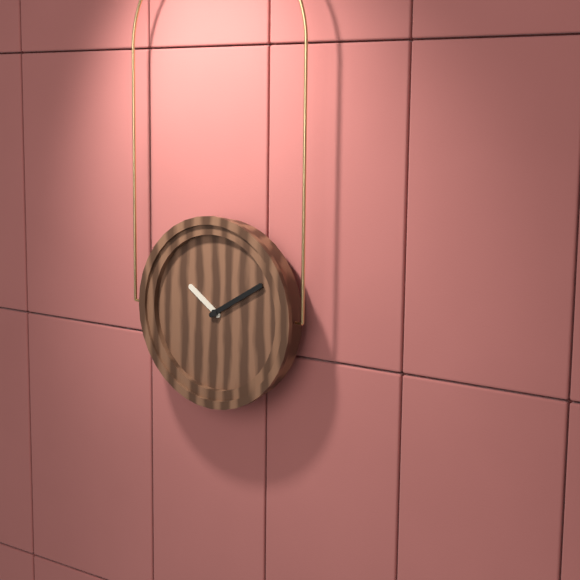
10h10
